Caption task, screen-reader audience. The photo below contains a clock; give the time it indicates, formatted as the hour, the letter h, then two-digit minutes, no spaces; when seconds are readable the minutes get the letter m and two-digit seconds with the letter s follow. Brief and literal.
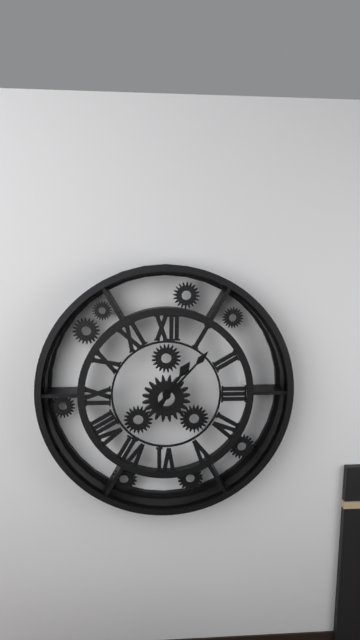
1h07
